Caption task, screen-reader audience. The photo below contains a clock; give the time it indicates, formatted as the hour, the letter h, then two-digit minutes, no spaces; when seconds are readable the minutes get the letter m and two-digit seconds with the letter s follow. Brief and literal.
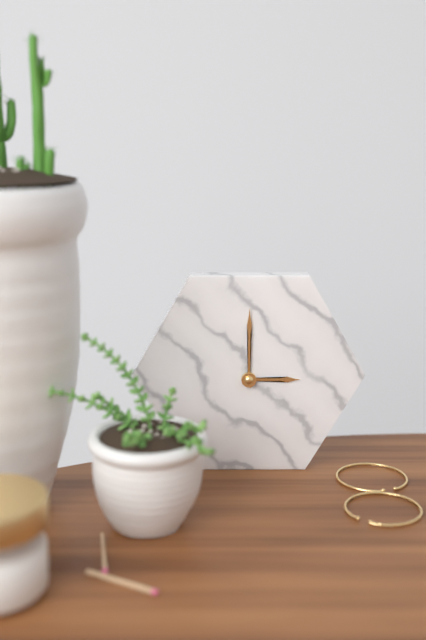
3h00
